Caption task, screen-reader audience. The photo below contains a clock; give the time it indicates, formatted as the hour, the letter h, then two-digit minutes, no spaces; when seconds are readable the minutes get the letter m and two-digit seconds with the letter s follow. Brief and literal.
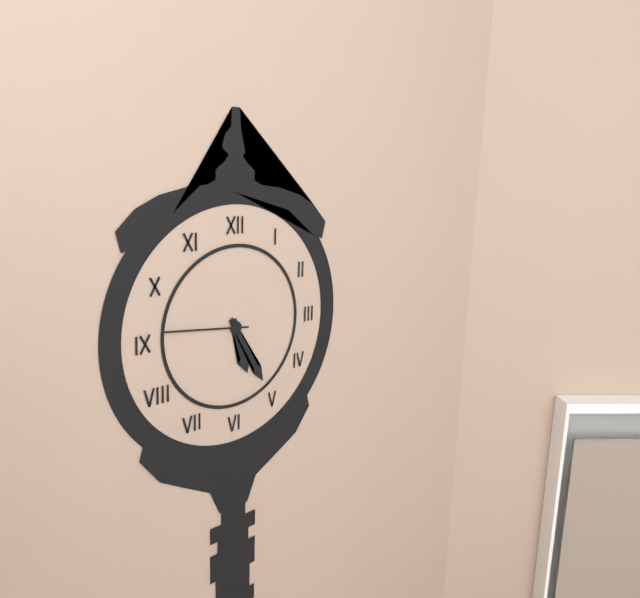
5h25m46s
